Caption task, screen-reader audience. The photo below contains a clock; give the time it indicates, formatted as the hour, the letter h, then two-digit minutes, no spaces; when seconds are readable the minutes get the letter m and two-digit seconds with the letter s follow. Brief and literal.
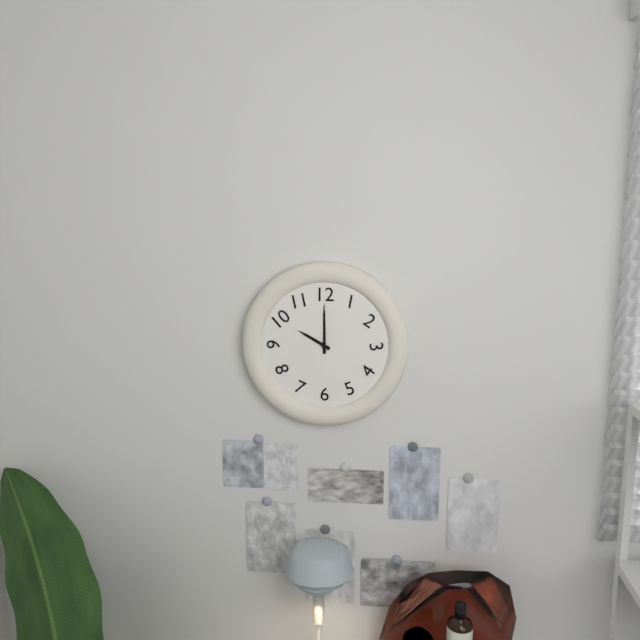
10h00
